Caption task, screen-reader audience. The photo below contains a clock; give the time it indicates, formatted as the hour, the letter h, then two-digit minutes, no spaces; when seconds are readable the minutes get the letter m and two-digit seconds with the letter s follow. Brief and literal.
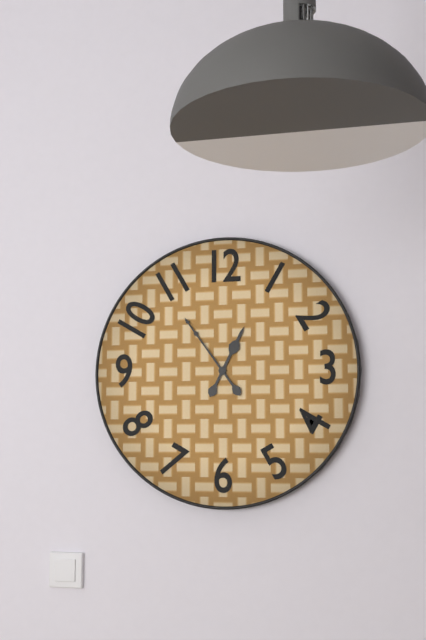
12h54
